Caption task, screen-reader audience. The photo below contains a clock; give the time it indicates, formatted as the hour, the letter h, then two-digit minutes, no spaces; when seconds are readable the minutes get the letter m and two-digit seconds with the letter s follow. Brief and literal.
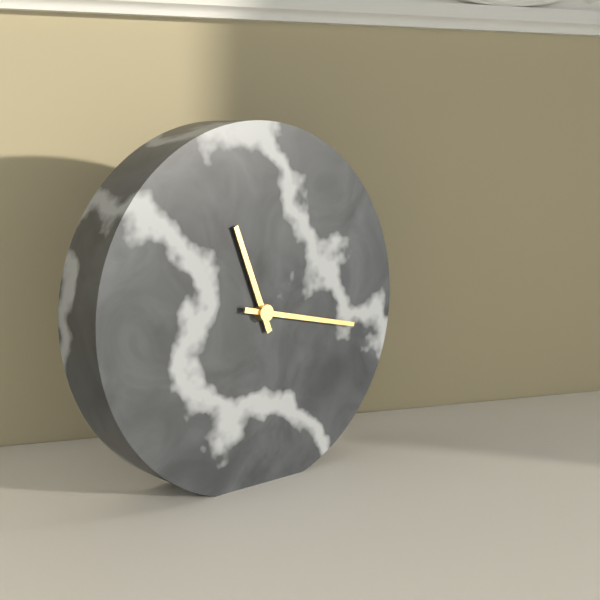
11h17
